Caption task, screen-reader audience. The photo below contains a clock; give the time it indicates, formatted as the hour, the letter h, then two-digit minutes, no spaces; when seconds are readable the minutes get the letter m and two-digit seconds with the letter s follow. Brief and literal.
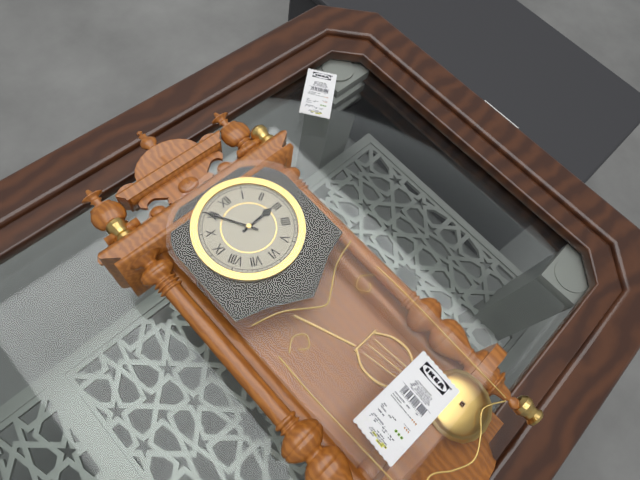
2h55
